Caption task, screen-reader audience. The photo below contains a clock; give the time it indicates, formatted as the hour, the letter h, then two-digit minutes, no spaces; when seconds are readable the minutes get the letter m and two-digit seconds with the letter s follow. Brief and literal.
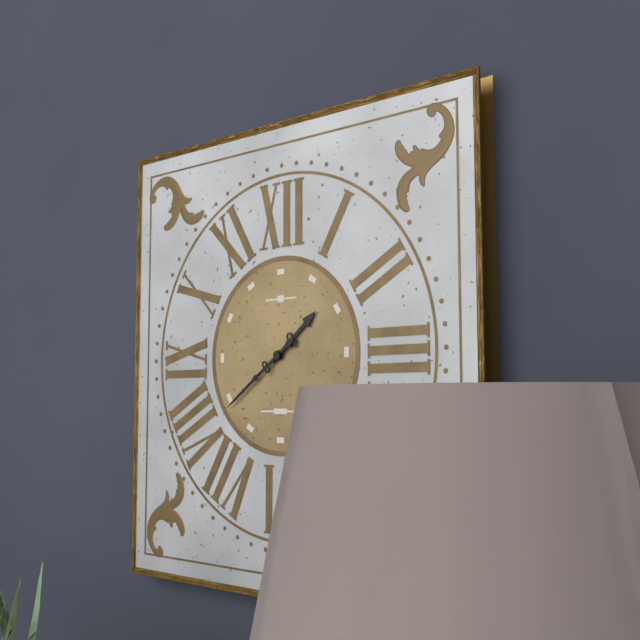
1h39
